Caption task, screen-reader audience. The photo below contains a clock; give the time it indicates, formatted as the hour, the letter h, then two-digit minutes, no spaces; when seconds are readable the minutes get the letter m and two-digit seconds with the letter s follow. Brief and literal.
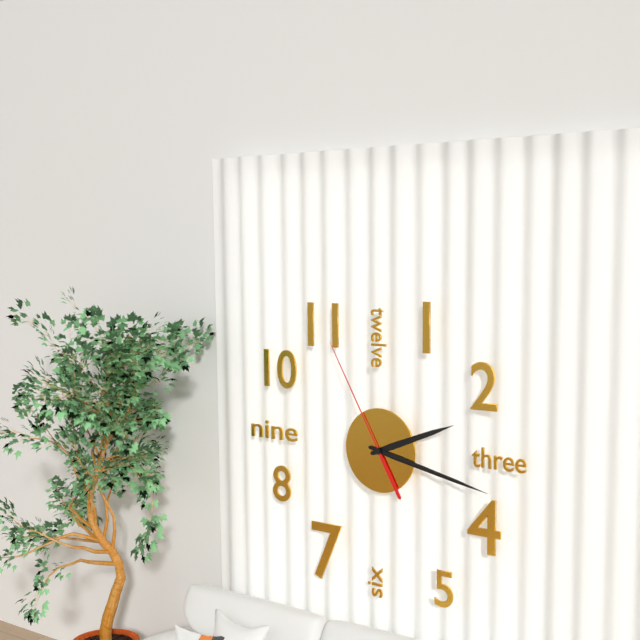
2h17m55s
